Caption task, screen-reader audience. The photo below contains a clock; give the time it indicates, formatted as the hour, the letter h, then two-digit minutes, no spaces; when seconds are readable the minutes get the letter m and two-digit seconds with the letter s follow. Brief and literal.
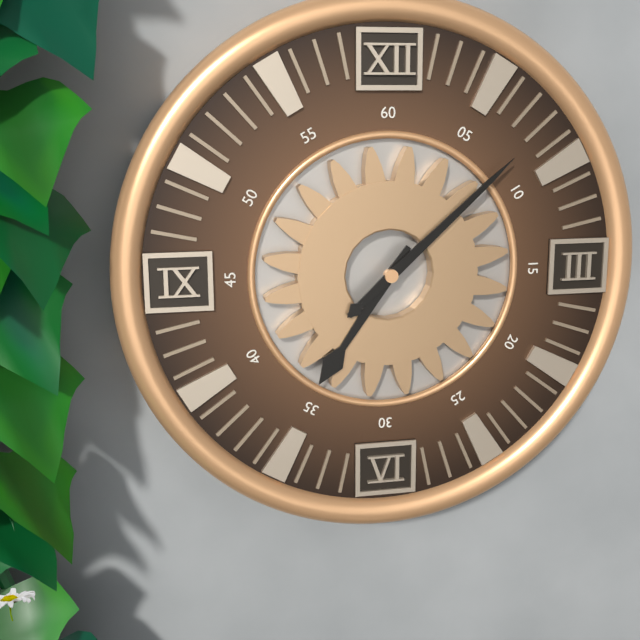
7h08
